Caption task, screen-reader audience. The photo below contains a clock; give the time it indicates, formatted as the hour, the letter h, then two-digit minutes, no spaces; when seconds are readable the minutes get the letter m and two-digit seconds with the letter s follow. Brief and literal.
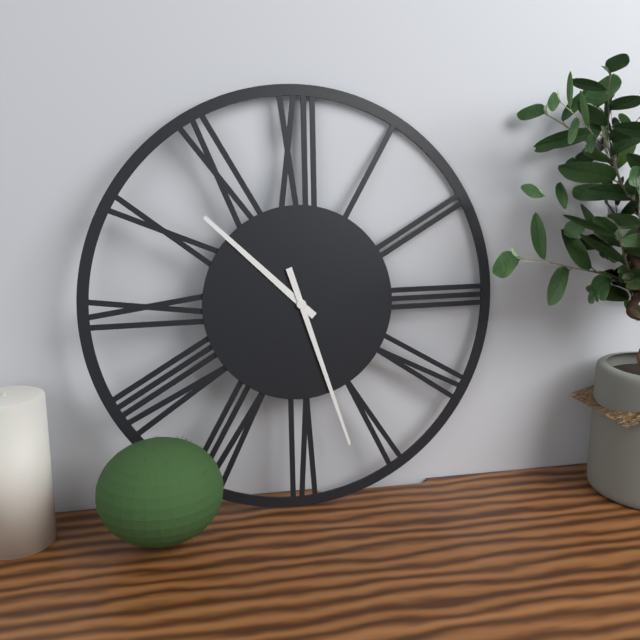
10h27
